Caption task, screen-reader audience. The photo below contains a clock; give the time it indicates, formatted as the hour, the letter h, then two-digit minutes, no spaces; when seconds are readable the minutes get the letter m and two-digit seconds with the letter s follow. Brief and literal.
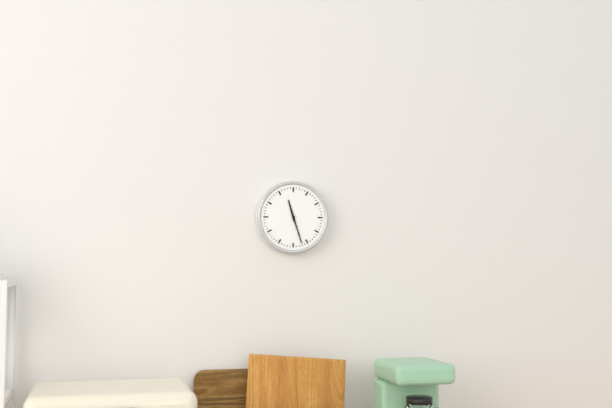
11h27
